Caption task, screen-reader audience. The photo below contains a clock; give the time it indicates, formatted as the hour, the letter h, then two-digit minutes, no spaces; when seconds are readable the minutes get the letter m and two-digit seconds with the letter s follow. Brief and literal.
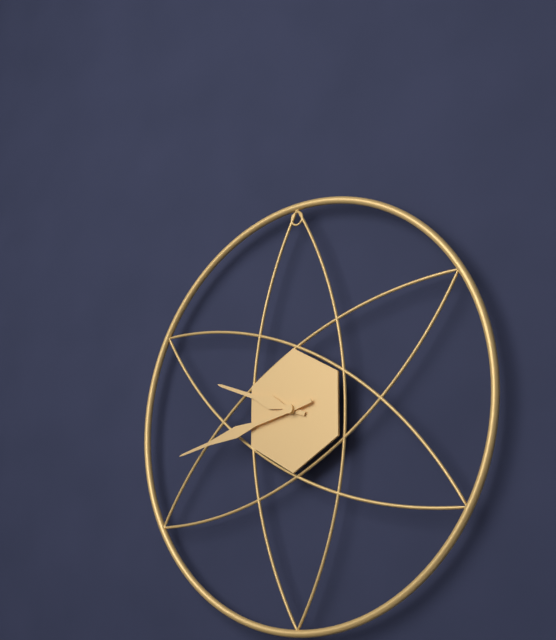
9h43
